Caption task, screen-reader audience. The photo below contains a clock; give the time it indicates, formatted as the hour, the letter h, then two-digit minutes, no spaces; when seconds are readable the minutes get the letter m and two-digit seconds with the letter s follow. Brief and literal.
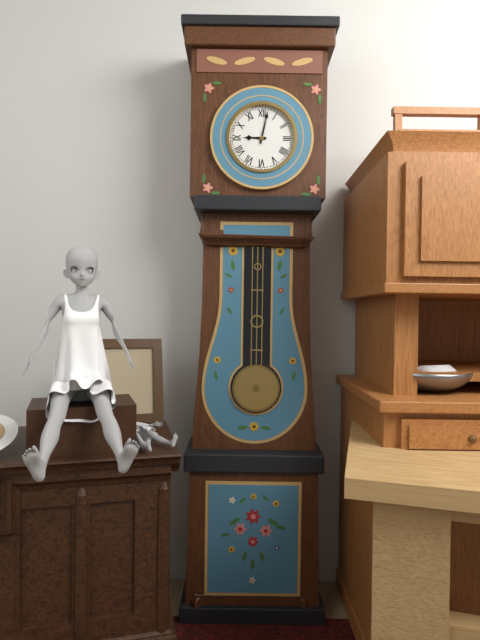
9h02
